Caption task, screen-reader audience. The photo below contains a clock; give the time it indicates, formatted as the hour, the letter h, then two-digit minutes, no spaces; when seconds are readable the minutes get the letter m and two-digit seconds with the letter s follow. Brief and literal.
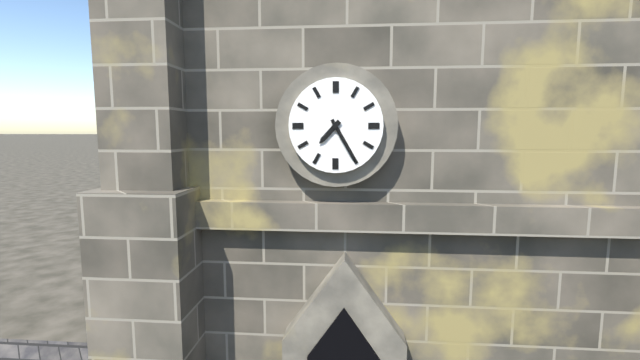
7h25
